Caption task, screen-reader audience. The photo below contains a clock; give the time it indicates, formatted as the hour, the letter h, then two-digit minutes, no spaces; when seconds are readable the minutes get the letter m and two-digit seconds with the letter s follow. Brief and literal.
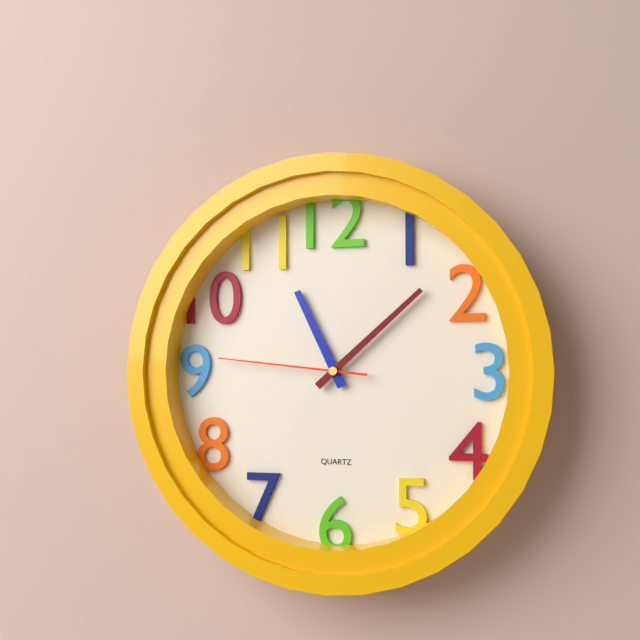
11h08m46s
